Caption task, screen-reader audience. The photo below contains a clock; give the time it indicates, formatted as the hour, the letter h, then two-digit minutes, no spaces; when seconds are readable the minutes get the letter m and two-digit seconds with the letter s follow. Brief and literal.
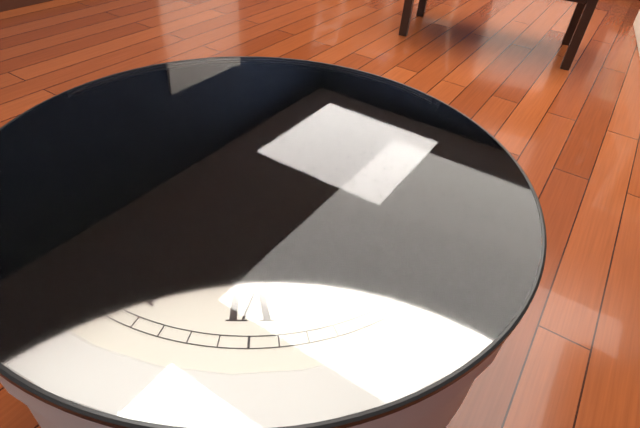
11h18
